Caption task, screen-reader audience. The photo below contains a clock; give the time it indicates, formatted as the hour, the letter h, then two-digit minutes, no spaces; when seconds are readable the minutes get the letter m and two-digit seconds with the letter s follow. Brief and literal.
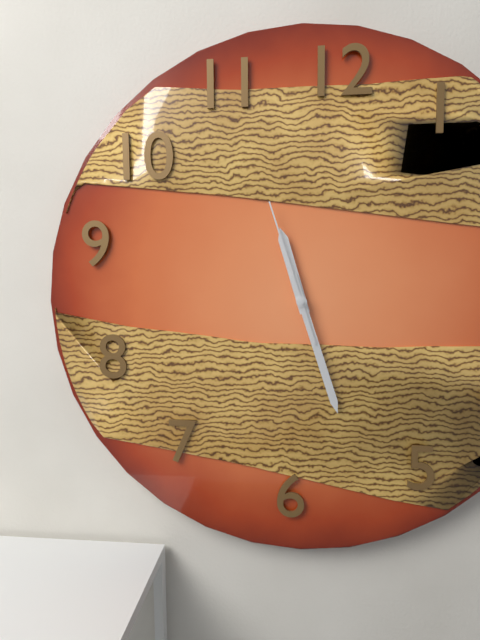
11h27m57s
